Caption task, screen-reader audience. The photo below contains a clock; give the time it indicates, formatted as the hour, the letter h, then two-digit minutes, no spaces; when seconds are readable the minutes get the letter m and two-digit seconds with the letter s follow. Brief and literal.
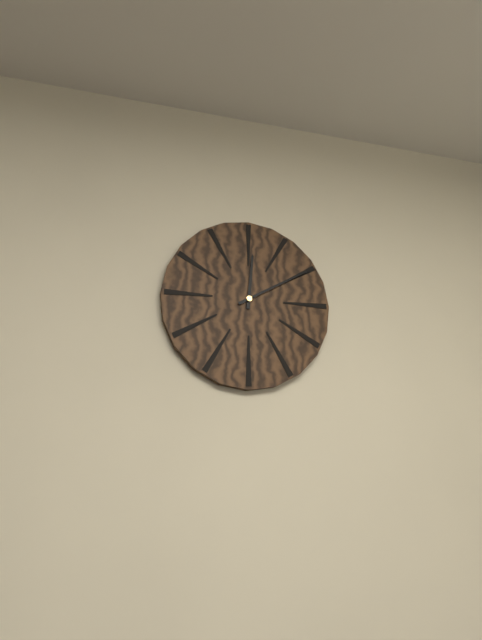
12h10
